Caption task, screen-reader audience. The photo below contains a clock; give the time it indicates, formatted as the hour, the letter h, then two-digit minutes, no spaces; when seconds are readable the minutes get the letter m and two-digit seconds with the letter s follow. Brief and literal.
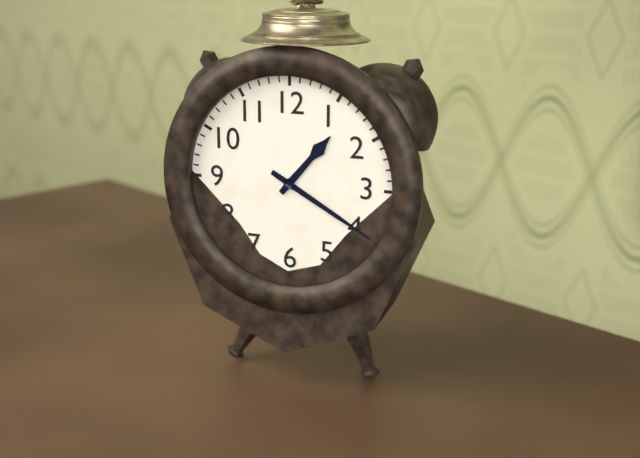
1h20
